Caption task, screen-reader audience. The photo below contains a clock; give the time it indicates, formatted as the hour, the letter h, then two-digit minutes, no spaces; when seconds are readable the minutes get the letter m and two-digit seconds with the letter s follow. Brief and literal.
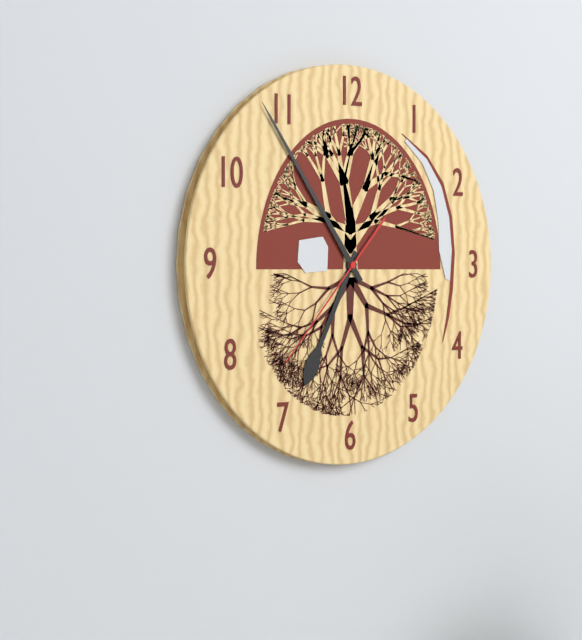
6h54m37s
